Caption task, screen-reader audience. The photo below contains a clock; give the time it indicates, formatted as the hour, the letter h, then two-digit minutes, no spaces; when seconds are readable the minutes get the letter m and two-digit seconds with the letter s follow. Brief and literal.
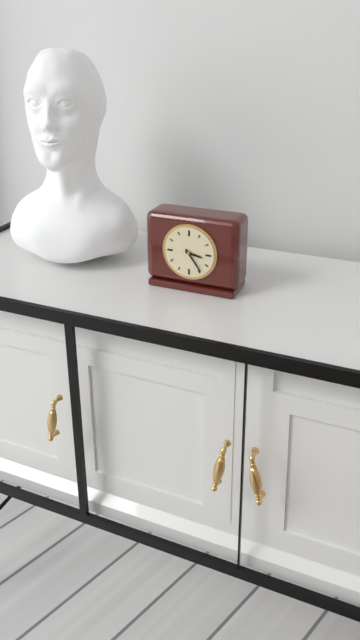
3h24
